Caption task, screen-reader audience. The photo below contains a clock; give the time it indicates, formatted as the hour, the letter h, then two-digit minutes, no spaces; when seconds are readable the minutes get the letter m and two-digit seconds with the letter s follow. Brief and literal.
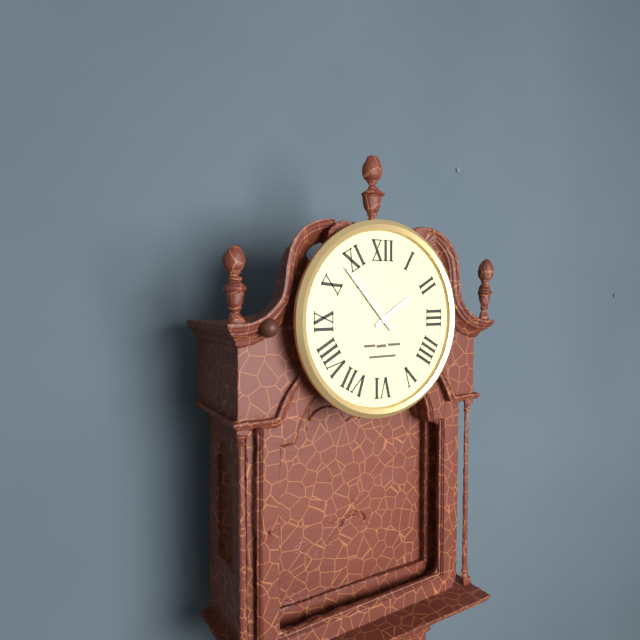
1h53
